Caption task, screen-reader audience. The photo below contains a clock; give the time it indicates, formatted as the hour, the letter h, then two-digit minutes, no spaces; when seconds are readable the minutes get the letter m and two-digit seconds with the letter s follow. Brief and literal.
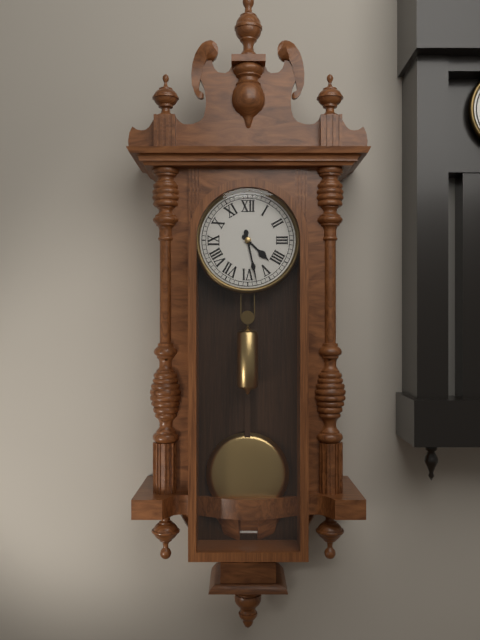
4h28
